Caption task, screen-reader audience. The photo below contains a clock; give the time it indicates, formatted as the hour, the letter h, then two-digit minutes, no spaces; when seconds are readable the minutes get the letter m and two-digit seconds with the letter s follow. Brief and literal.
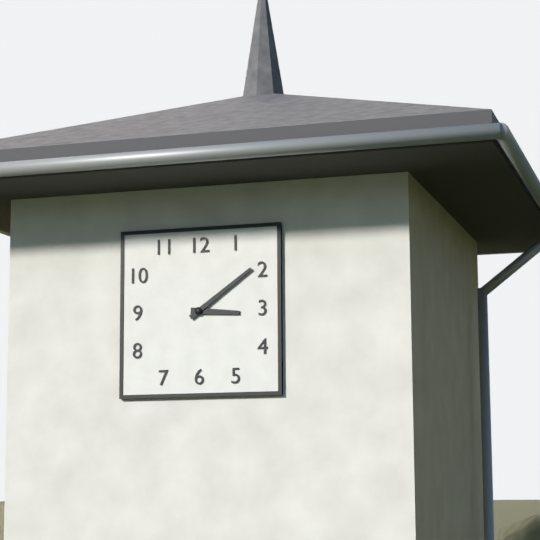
3h09
